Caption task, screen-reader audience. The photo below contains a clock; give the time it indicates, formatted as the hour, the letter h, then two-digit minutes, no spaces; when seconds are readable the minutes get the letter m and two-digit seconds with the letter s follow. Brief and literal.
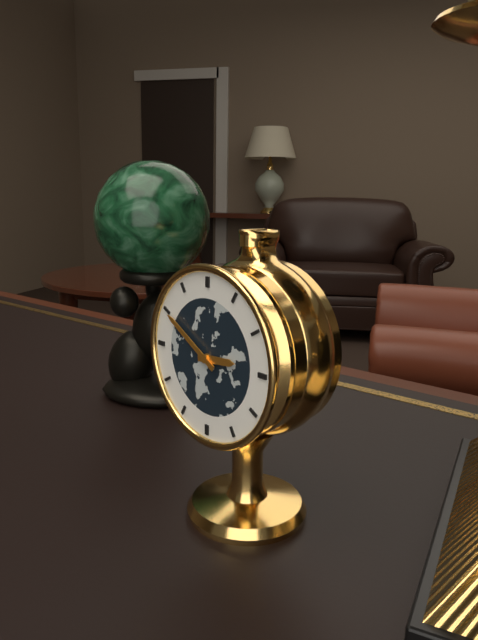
2h50
